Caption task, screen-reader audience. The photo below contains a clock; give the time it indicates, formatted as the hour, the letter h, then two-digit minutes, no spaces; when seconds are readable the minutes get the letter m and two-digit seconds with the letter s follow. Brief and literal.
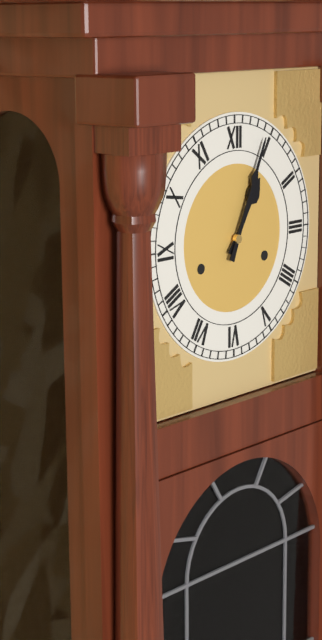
1h04
